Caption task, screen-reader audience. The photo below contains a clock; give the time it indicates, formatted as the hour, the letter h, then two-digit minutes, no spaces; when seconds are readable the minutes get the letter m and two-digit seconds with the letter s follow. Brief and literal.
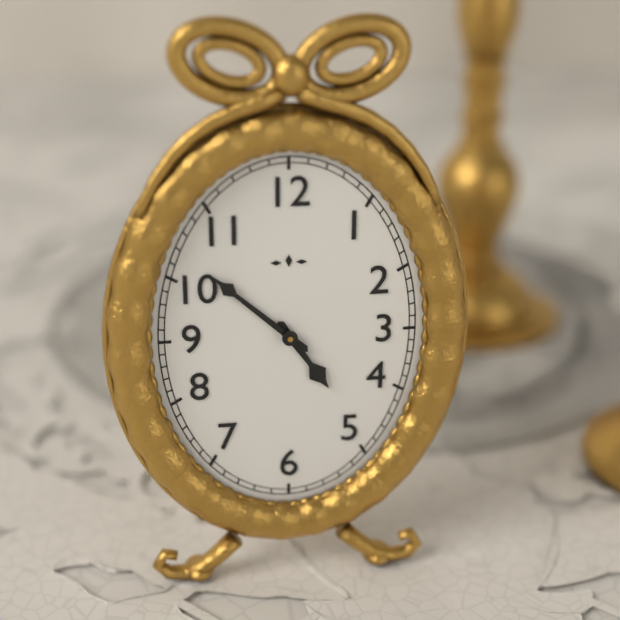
4h52
